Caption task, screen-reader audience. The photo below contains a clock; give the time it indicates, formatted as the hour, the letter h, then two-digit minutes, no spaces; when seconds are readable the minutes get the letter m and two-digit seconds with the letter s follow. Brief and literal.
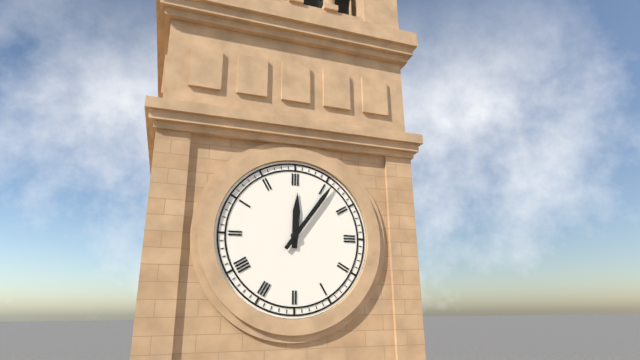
12h06
